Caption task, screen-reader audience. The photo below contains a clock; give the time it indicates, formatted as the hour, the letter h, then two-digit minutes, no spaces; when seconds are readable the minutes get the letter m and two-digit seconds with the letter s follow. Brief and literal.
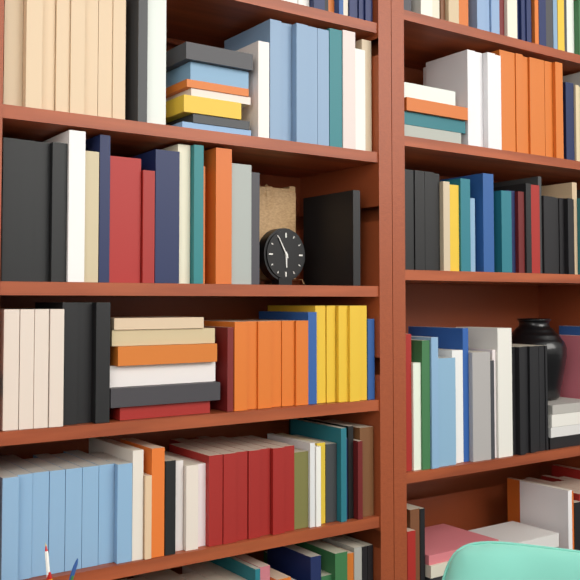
5h55
